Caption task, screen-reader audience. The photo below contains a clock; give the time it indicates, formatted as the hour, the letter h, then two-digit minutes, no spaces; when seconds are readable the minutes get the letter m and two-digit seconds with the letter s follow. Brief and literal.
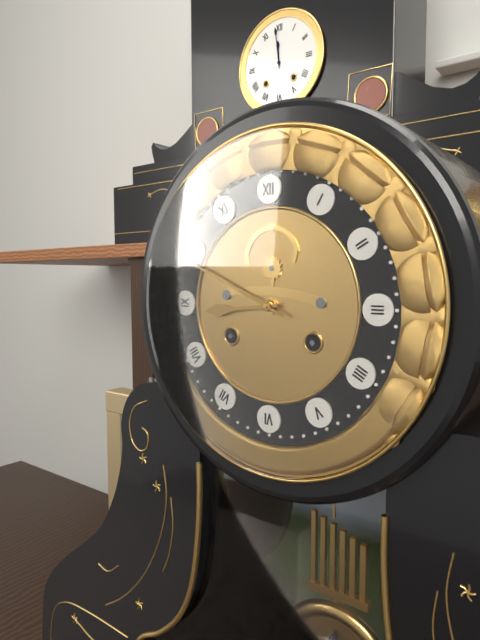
8h49
